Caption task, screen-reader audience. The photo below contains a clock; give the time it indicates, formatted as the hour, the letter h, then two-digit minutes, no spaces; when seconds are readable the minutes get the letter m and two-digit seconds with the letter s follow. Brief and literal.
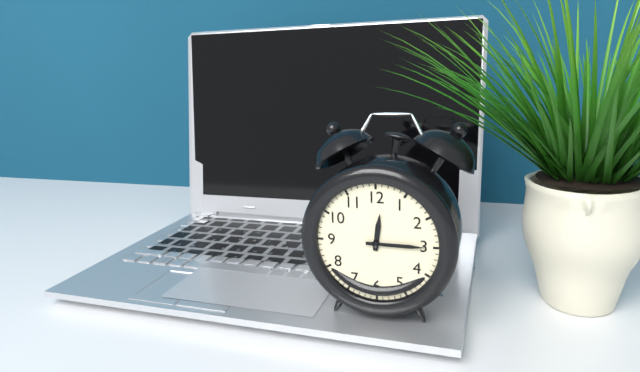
12h15
